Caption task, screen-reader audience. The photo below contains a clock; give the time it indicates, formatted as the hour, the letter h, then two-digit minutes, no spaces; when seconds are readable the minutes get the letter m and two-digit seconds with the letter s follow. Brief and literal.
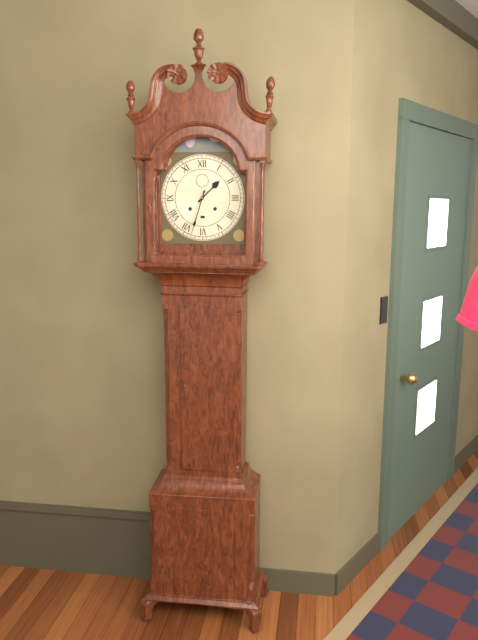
1h33
